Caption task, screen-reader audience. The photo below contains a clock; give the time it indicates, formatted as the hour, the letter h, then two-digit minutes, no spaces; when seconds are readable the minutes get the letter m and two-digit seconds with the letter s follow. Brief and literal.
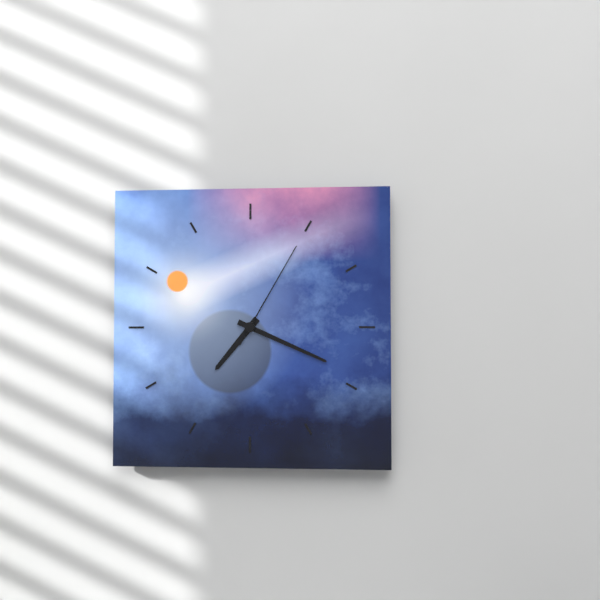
7h19m05s
